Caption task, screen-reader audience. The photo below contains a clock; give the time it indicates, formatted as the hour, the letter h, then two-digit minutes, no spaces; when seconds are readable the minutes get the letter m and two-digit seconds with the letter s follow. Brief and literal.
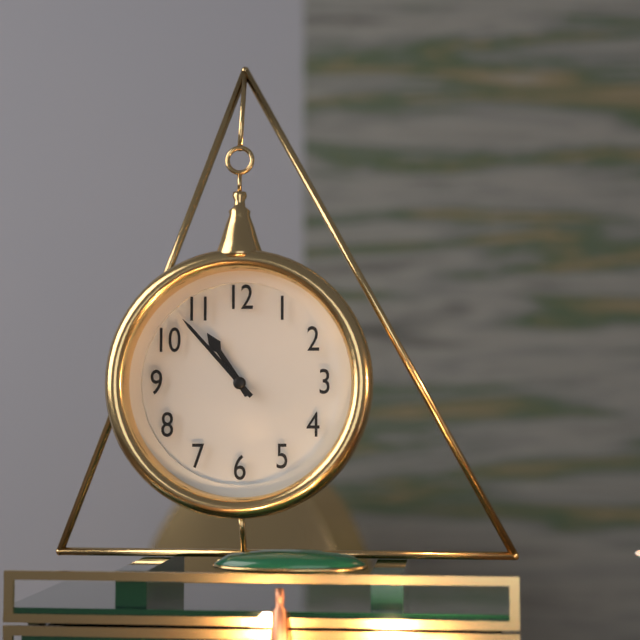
10h53
